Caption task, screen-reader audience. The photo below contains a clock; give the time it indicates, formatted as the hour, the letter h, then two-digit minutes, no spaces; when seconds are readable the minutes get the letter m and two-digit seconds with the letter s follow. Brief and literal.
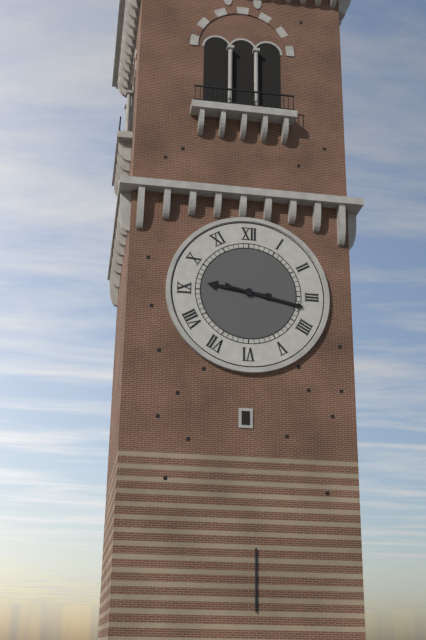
9h17
